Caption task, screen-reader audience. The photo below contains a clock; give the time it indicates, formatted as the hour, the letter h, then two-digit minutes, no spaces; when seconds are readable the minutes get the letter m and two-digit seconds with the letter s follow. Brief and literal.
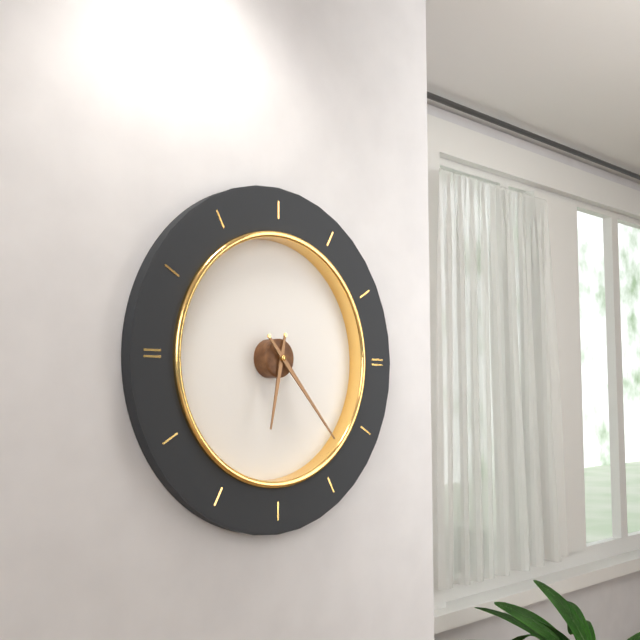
6h23
